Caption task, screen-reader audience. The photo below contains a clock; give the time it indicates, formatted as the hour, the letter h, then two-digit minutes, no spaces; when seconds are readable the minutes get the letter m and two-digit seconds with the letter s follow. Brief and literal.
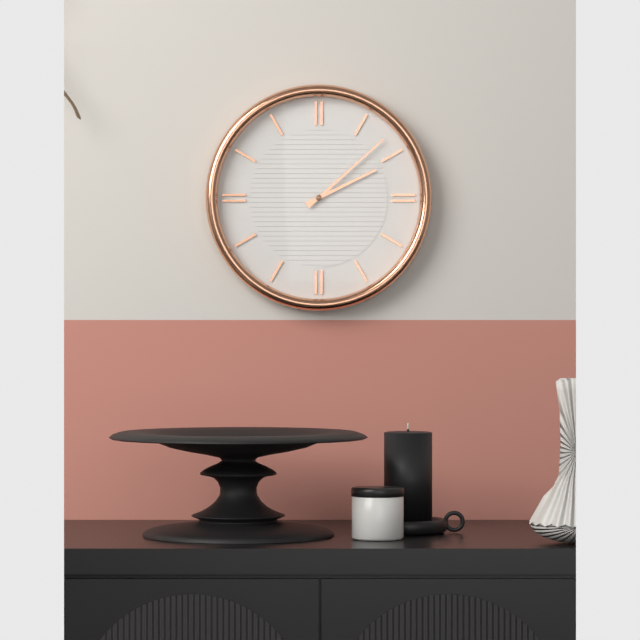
2h08
